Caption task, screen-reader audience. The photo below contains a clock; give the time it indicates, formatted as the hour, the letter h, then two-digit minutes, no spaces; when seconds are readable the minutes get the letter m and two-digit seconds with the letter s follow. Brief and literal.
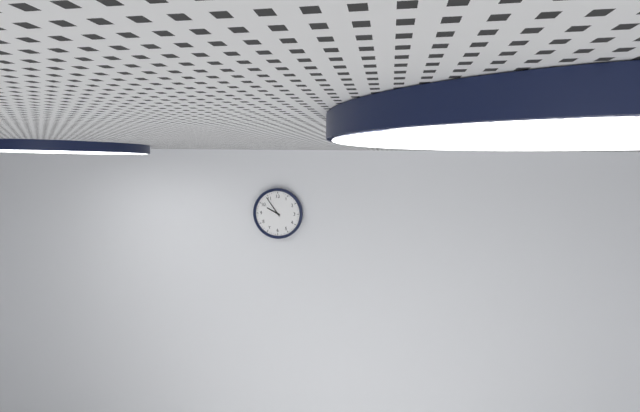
9h54
